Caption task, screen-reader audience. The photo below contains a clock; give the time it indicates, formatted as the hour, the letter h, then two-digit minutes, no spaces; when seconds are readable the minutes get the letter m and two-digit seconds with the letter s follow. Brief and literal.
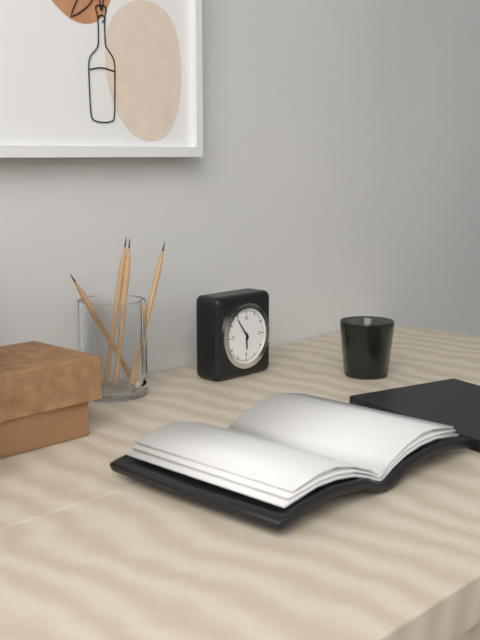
5h54
